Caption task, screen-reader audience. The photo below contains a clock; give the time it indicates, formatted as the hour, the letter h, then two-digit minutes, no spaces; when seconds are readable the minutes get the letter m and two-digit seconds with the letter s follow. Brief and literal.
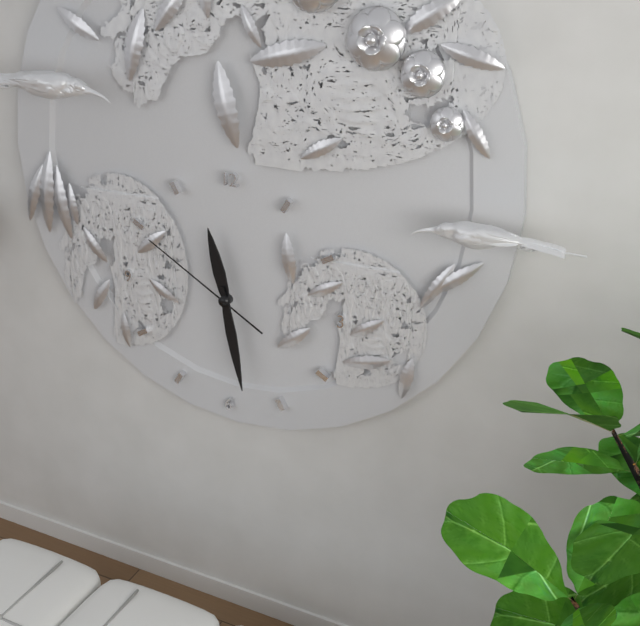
11h28m50s
